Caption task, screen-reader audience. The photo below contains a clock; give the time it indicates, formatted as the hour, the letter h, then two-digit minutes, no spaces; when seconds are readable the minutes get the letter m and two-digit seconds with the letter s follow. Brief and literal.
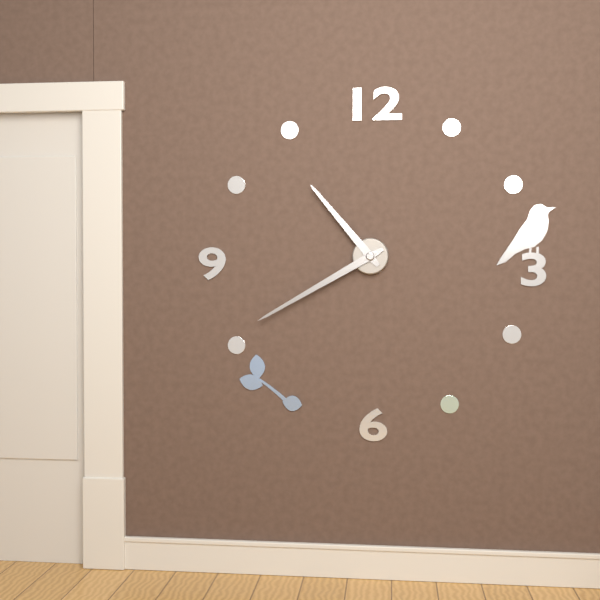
10h40
